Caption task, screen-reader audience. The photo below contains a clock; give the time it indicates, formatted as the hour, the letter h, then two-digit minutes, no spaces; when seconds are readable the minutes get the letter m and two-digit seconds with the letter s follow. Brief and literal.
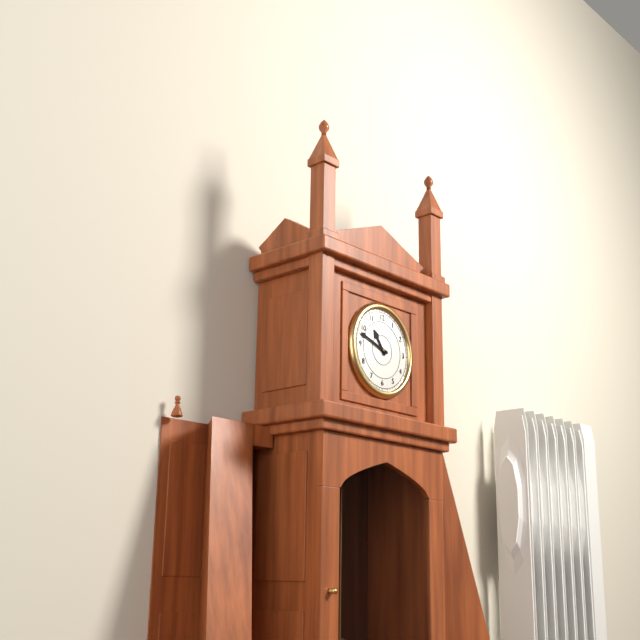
10h48
